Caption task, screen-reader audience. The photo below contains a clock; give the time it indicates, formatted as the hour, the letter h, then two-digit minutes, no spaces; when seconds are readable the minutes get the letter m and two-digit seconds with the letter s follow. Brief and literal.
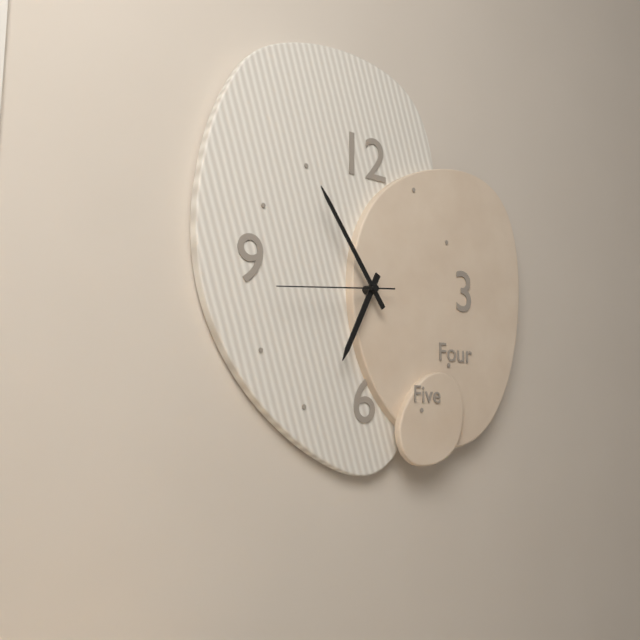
6h54m44s
